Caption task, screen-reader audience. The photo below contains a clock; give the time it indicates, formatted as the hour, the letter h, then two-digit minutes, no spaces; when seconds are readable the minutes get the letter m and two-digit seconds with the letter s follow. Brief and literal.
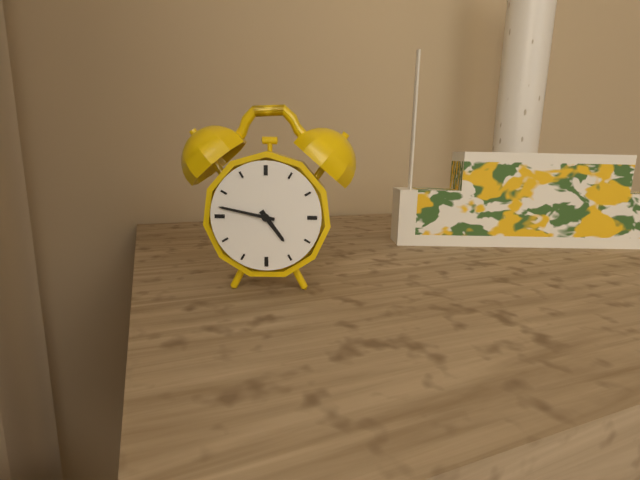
4h47
